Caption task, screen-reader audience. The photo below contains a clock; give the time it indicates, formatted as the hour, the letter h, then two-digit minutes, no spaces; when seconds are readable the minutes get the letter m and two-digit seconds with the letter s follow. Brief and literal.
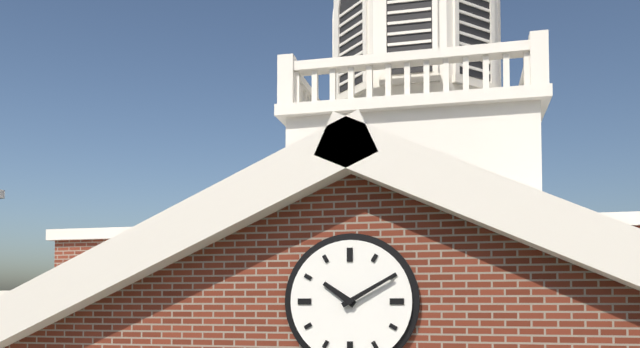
10h10
